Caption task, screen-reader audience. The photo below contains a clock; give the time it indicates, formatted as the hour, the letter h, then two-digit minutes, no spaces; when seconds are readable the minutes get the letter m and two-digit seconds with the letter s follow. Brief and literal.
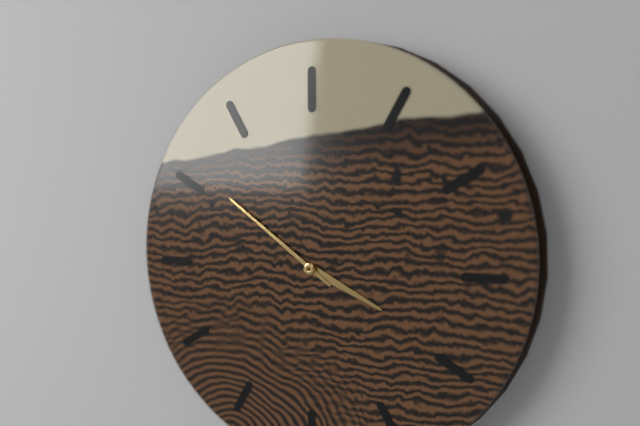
3h51
